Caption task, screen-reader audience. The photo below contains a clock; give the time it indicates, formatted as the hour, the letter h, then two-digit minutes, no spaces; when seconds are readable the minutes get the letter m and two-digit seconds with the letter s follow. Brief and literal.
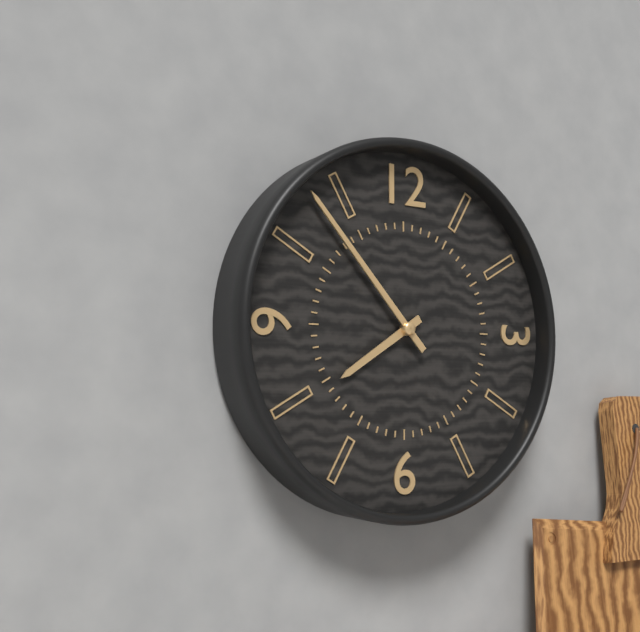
7h53
